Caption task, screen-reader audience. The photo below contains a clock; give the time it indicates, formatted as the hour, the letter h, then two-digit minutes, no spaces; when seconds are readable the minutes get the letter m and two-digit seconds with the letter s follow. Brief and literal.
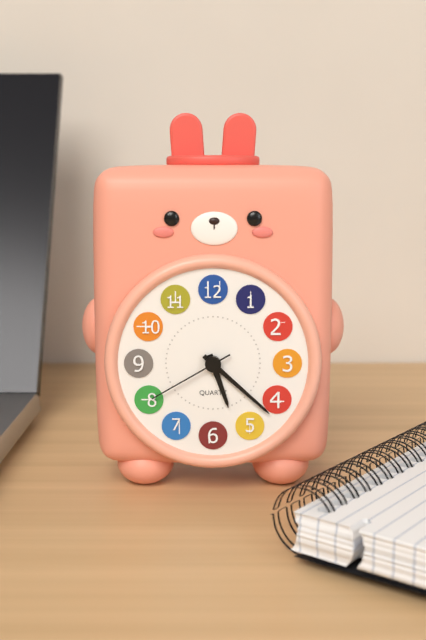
5h22m40s
